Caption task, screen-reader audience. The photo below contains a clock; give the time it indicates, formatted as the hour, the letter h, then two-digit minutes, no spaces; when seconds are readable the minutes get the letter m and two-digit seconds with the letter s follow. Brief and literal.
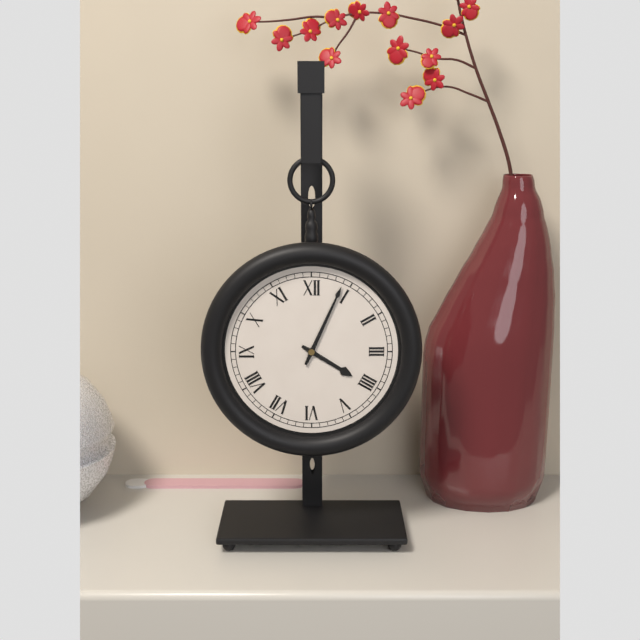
4h04
